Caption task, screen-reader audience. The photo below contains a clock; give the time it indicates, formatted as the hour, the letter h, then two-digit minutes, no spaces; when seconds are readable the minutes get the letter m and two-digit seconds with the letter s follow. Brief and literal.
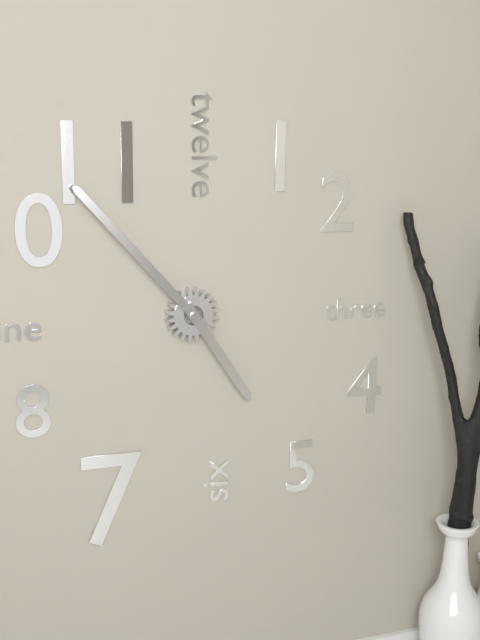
4h53
